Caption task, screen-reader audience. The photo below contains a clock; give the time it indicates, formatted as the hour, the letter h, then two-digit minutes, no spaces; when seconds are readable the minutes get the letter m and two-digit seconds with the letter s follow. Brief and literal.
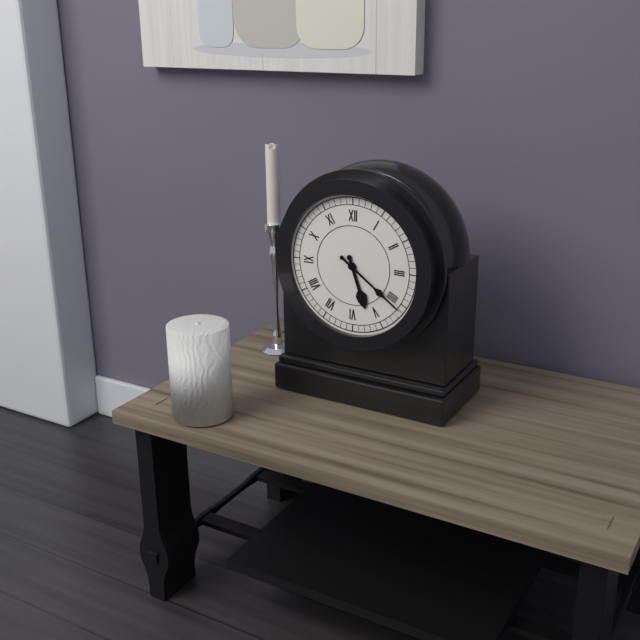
5h21
